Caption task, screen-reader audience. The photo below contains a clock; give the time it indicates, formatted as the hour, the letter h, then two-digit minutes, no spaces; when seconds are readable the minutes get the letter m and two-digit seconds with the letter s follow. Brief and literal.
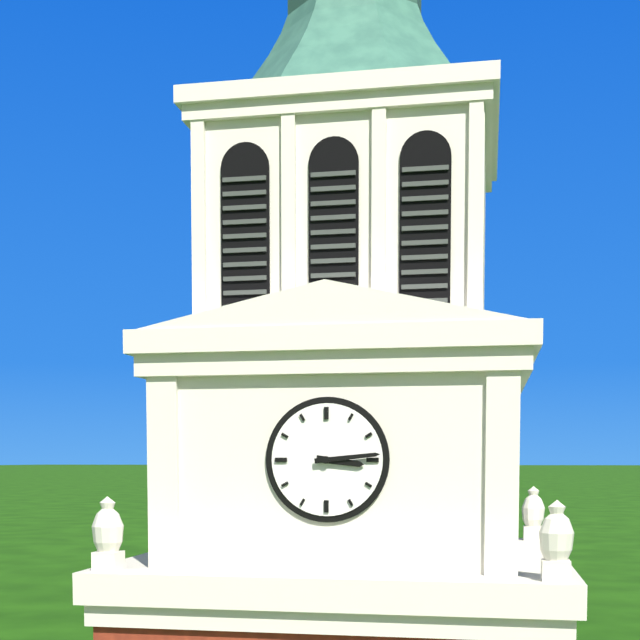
3h14
